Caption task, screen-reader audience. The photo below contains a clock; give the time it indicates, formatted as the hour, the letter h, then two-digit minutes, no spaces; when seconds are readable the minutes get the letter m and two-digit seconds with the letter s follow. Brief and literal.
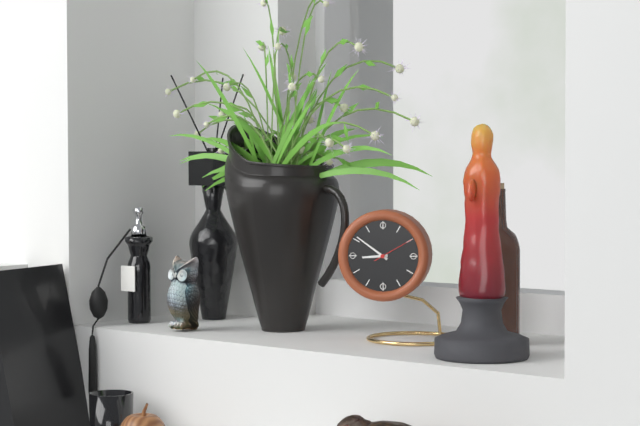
8h51
